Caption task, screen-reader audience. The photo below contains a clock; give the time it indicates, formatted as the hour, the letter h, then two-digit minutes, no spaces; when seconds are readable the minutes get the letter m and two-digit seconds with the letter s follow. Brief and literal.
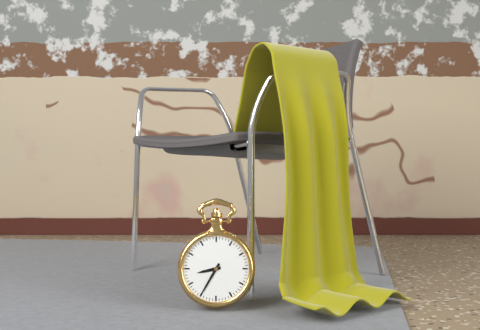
8h35
